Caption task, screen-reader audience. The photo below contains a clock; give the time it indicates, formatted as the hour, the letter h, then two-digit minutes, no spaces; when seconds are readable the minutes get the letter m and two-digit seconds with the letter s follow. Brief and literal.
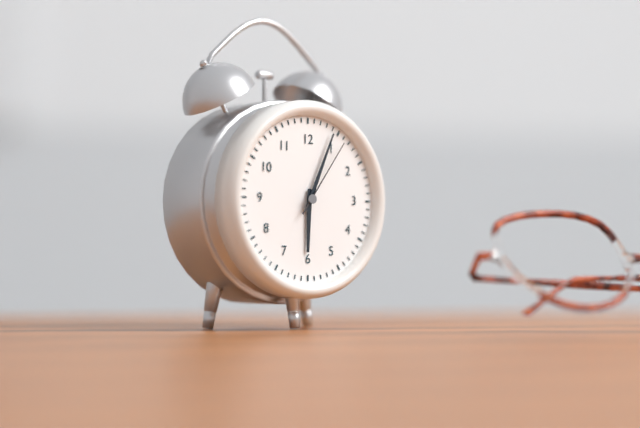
6h04m06s
